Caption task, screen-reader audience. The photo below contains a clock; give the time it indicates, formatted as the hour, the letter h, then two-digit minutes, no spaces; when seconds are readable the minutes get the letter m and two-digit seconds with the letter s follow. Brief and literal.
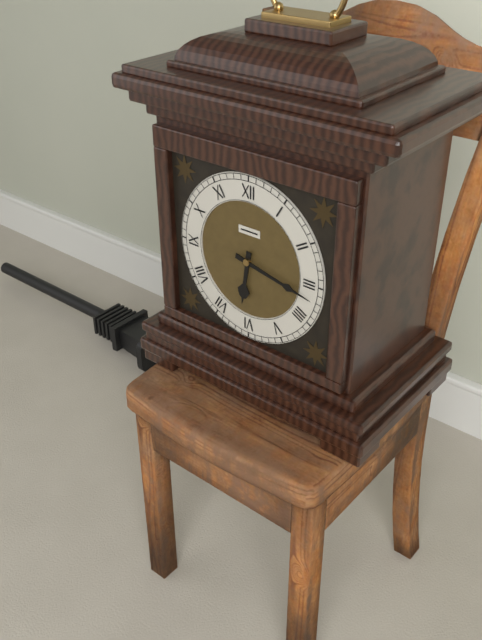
6h17
